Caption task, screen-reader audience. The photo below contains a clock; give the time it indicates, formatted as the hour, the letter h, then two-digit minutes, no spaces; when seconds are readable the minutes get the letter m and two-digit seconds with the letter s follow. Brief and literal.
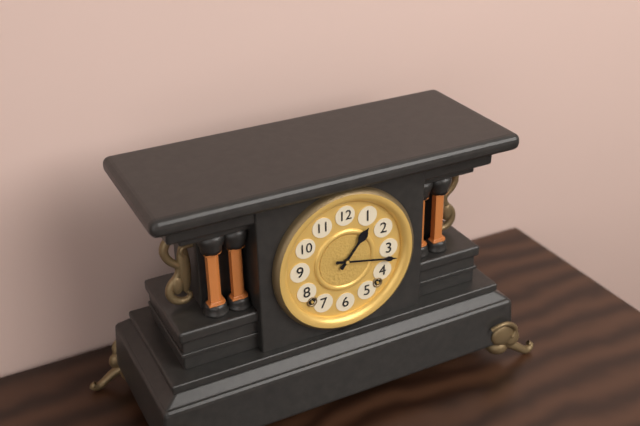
1h17
